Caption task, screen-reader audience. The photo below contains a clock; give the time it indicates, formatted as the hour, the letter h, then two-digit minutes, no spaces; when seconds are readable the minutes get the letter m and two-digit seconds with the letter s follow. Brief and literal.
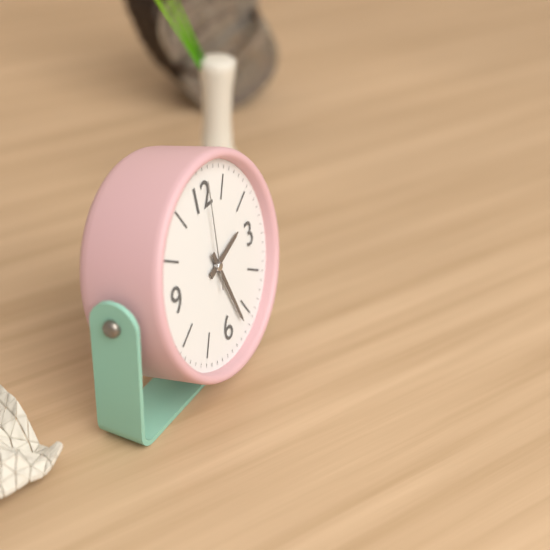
2h27m01s
